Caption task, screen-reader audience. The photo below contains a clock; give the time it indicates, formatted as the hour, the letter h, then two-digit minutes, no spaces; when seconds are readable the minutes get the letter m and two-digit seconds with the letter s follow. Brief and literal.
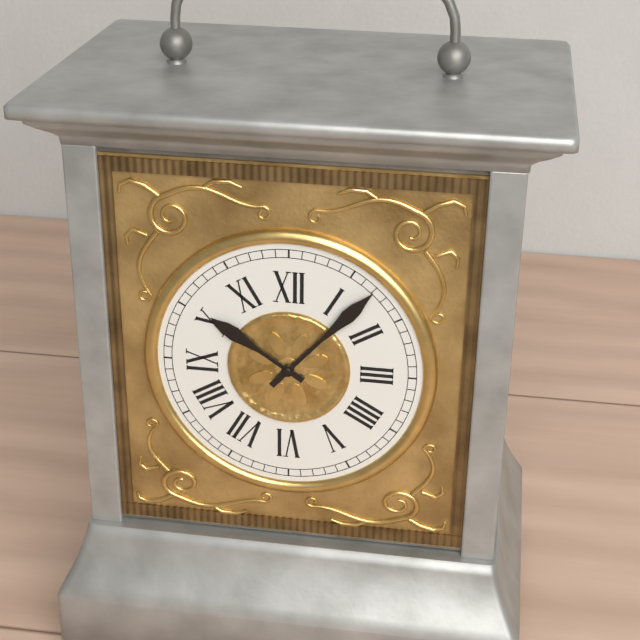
10h07
